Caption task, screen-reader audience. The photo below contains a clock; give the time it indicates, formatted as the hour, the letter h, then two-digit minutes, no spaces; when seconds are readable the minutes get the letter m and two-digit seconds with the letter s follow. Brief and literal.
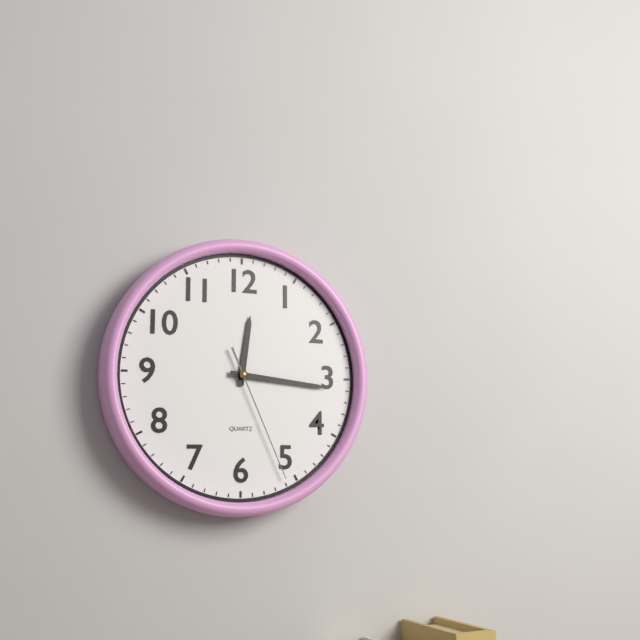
12h16m26s
